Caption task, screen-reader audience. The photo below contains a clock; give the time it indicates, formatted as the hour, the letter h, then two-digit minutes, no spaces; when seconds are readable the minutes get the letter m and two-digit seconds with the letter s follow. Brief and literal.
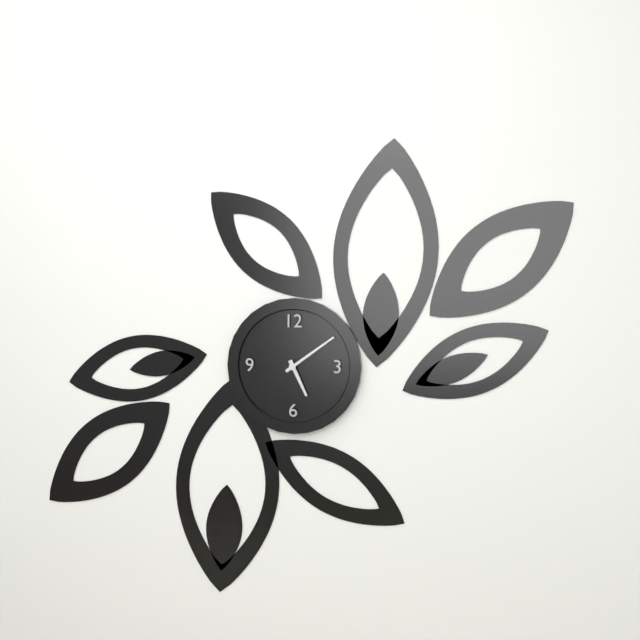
5h09
